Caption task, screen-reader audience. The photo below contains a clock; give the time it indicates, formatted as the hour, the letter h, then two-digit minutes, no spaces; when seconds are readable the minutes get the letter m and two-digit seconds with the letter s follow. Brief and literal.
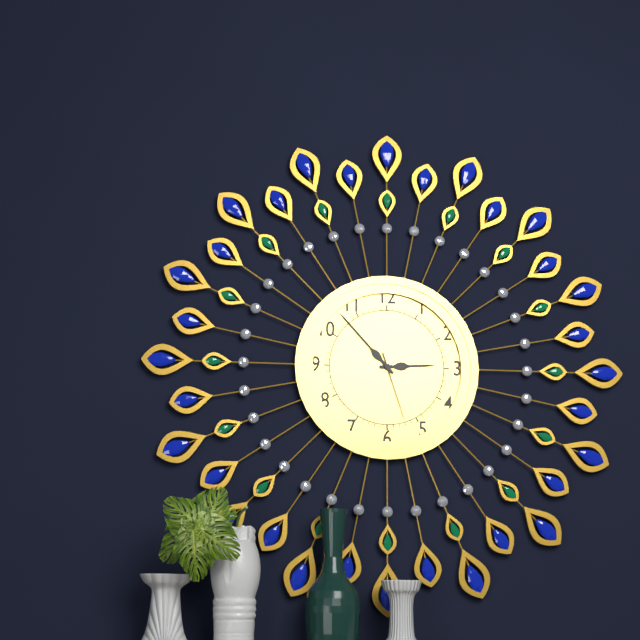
2h53m27s
